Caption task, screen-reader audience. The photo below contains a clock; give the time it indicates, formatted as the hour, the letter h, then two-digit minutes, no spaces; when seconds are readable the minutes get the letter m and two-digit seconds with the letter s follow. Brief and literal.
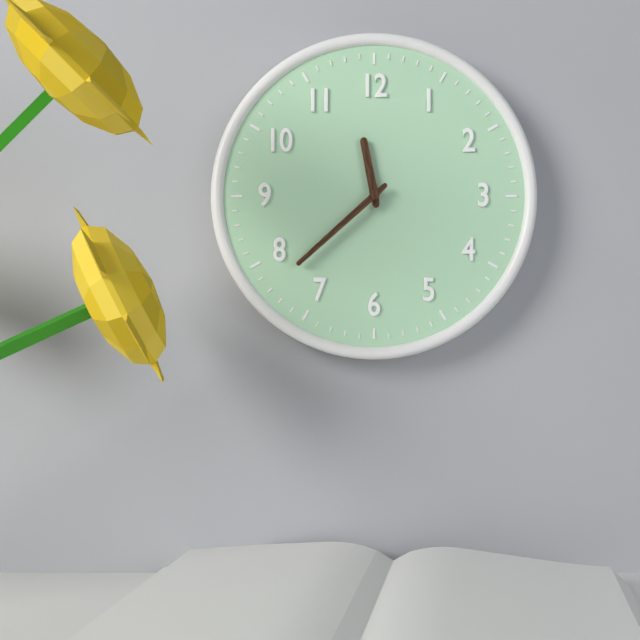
11h38
